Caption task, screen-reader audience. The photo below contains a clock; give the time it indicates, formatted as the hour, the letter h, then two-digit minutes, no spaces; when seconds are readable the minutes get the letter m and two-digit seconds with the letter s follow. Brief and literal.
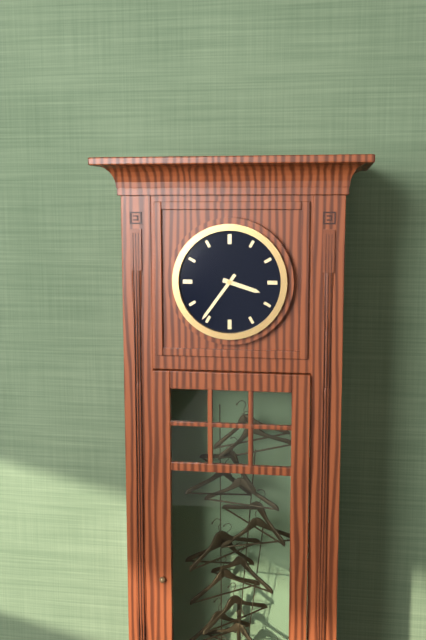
3h36
